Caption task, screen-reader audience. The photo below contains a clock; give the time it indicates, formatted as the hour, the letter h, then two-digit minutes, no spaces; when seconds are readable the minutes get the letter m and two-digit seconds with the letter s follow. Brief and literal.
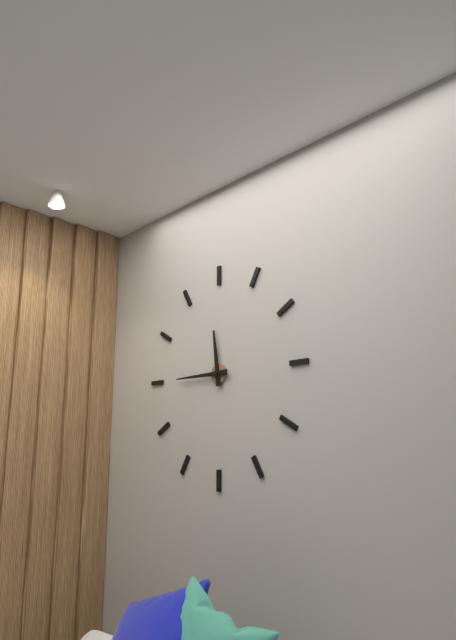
11h45
